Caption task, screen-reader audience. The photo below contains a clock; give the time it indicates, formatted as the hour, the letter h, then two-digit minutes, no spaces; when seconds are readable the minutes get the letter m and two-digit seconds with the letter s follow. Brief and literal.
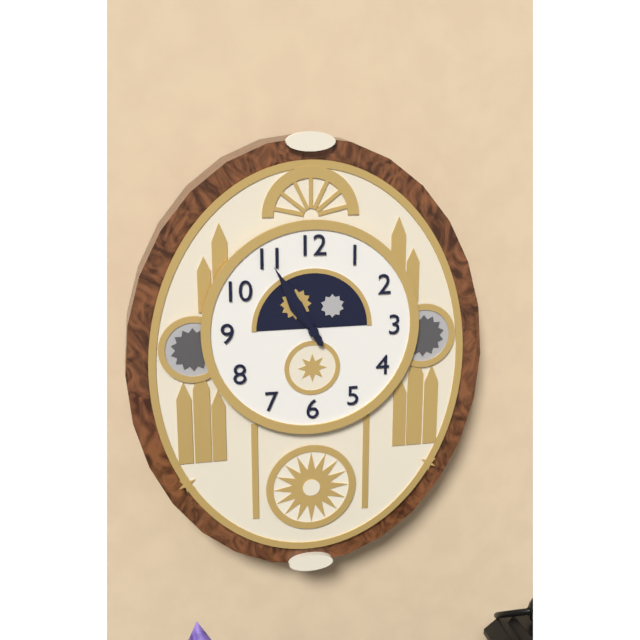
10h55
